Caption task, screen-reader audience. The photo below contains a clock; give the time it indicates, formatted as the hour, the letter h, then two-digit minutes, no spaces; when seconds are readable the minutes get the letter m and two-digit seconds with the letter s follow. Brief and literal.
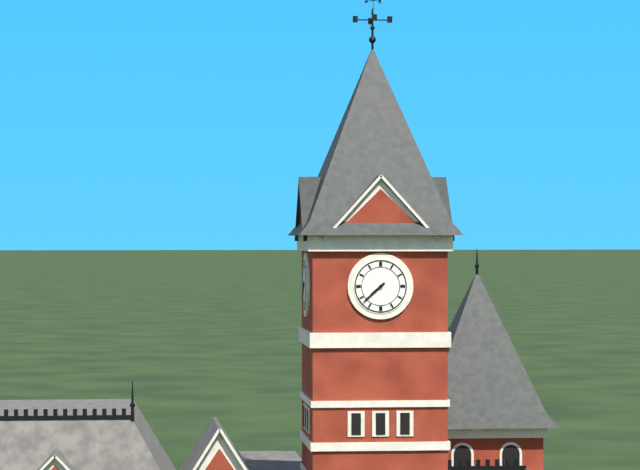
7h38
